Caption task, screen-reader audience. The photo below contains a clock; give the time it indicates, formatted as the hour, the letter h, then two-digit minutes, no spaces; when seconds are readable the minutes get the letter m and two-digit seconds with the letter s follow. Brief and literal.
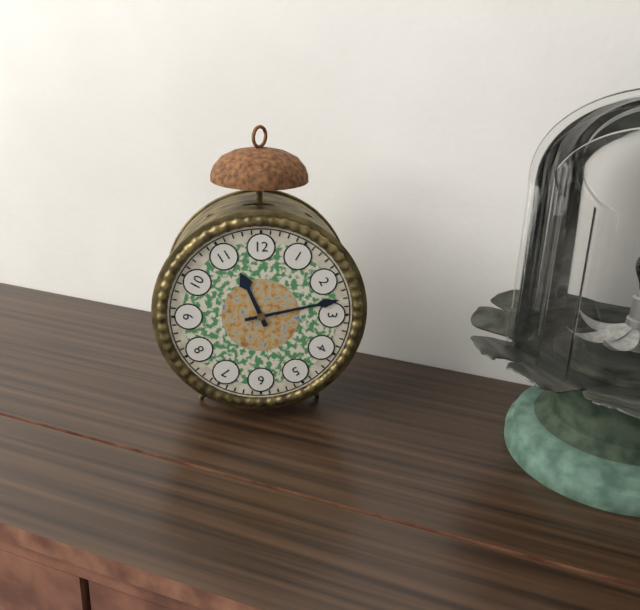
11h13
